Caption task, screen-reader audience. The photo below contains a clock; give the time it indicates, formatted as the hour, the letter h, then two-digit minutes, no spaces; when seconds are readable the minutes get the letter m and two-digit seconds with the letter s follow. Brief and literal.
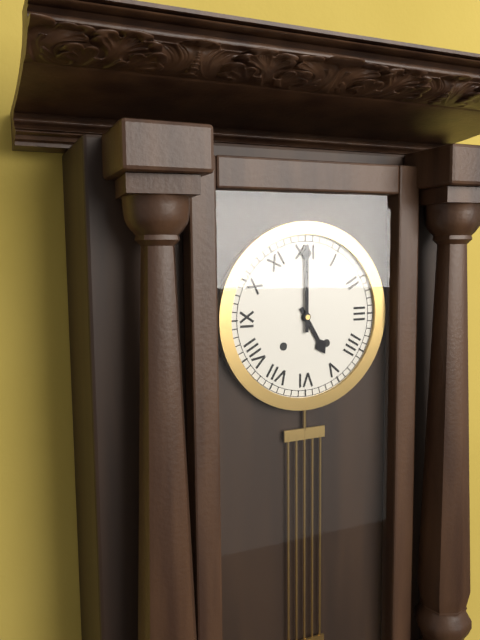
5h00
